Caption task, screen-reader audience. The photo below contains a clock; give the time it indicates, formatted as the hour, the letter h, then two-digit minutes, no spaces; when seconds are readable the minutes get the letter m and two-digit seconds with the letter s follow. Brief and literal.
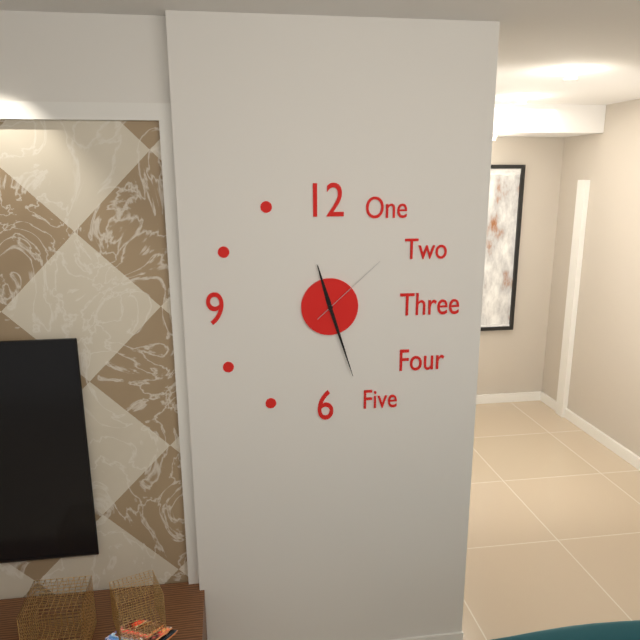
11h27m08s
